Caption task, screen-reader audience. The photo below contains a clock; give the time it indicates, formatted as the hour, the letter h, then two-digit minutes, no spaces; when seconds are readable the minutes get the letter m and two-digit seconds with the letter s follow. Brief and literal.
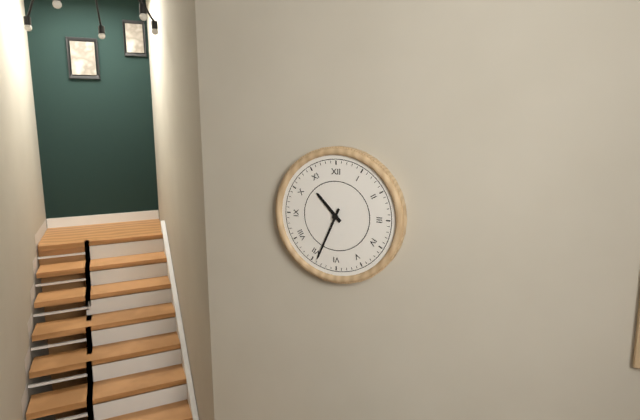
10h34
